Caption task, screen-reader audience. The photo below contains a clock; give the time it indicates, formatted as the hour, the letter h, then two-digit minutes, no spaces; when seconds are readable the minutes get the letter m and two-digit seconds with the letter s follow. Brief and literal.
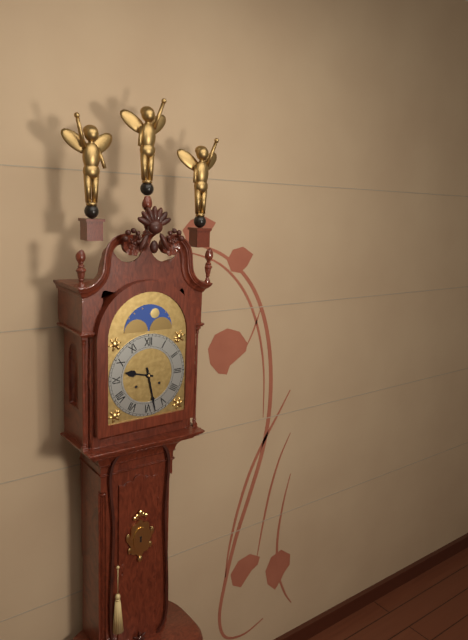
9h28
